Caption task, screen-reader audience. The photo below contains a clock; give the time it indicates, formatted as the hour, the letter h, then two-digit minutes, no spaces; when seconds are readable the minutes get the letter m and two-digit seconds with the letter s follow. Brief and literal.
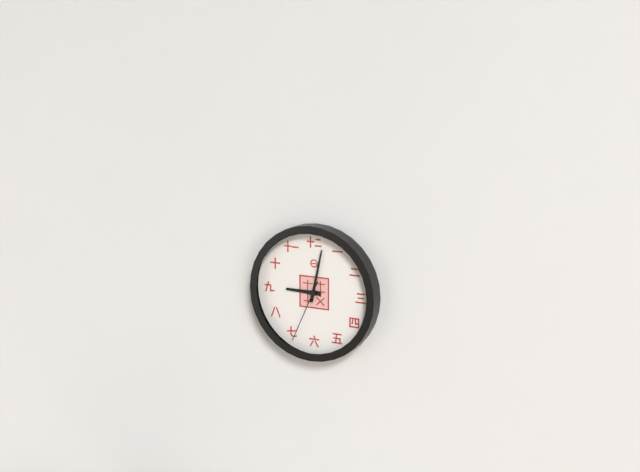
9h02m34s
